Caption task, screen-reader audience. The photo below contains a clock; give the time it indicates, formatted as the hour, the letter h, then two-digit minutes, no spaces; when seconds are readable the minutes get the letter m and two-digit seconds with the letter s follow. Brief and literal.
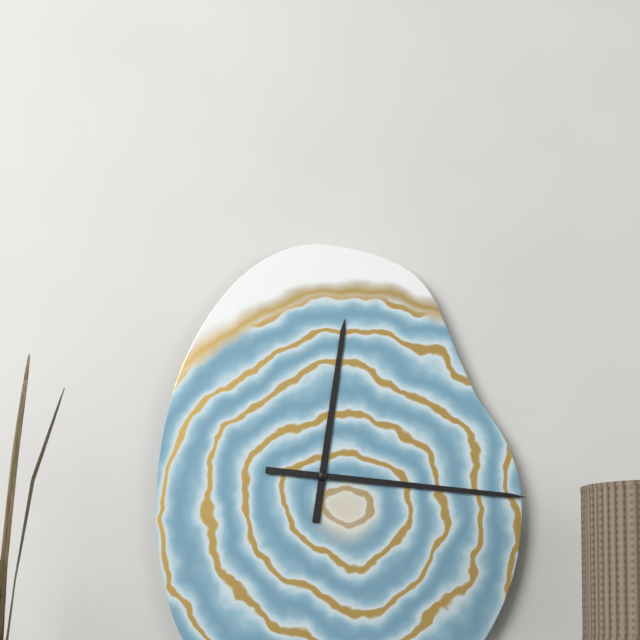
12h16
